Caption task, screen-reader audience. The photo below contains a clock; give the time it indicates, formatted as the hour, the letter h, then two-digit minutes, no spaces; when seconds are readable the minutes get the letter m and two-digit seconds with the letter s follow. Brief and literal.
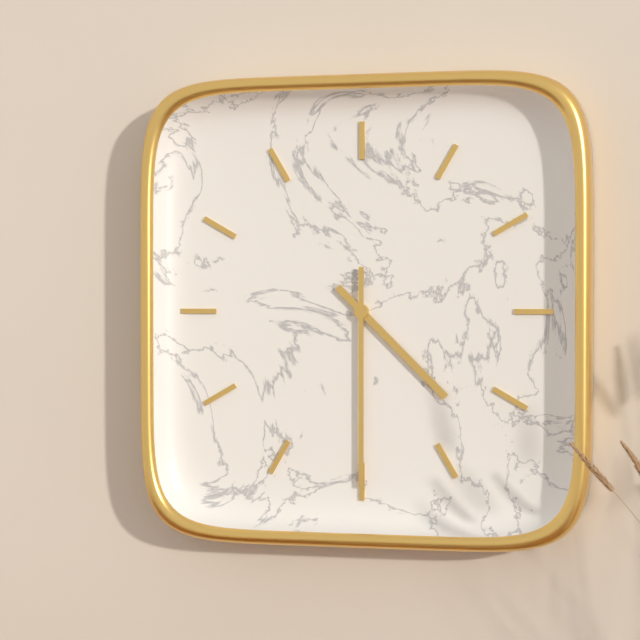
4h30
